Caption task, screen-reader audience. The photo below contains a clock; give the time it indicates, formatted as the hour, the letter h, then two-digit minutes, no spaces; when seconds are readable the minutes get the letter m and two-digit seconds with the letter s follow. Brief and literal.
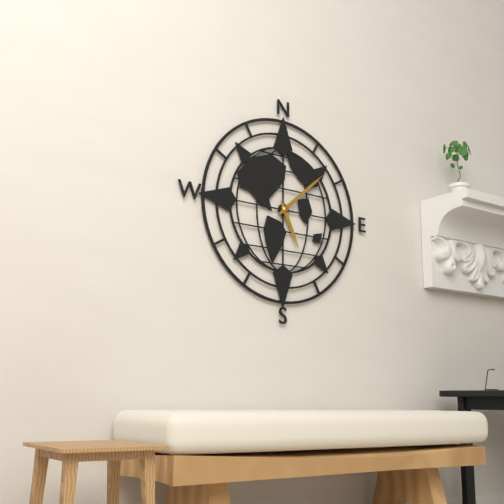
5h08
